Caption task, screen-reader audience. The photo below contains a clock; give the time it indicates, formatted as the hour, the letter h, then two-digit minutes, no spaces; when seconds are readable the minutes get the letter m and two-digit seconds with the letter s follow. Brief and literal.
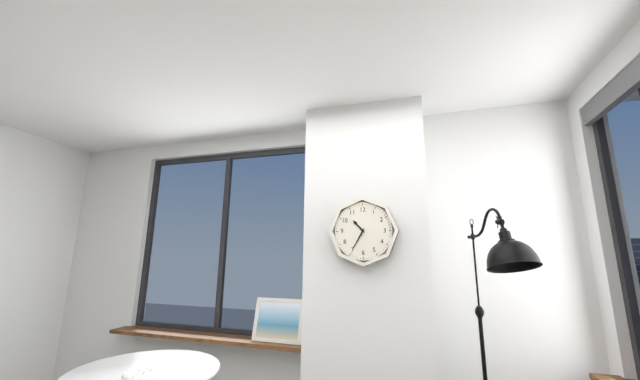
10h35
